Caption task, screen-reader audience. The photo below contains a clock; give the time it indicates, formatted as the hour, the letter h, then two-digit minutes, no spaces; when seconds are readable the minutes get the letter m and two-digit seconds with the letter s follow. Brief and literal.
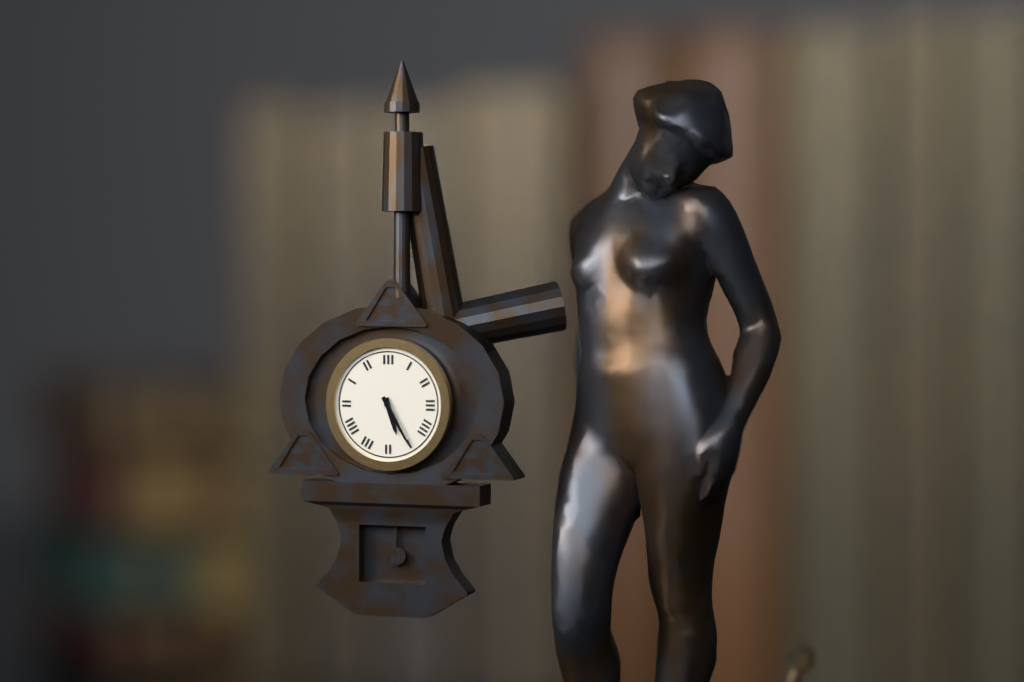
5h25
